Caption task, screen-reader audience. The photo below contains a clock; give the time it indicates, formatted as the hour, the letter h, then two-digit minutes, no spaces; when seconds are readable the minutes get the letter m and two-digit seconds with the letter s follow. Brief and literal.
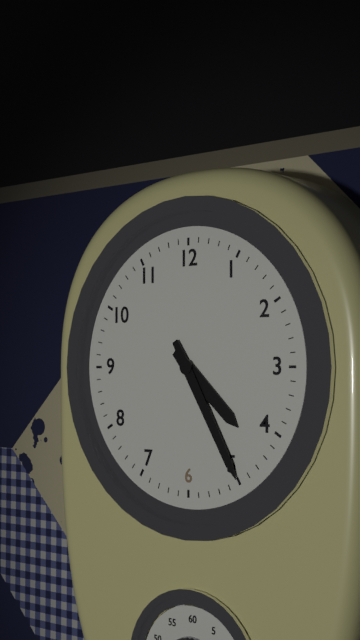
4h25
